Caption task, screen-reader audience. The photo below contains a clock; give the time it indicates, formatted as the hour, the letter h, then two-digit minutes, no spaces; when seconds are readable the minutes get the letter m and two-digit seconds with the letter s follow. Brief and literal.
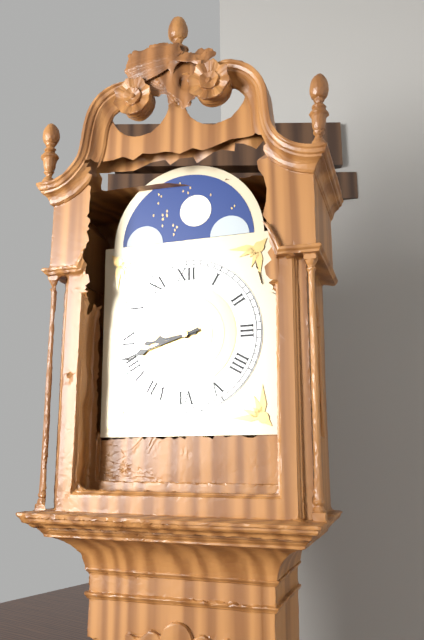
8h42
